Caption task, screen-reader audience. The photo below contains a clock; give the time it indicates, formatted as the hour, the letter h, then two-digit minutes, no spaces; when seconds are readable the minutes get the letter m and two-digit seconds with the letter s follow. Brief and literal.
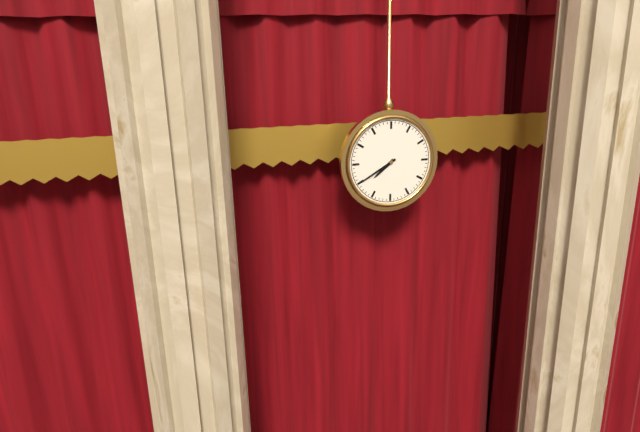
7h40
